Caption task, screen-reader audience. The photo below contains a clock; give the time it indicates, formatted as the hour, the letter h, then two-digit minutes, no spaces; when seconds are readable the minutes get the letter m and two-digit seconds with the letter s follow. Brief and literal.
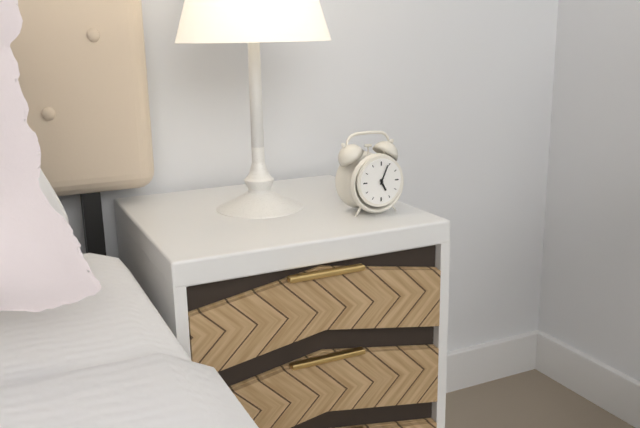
5h04
